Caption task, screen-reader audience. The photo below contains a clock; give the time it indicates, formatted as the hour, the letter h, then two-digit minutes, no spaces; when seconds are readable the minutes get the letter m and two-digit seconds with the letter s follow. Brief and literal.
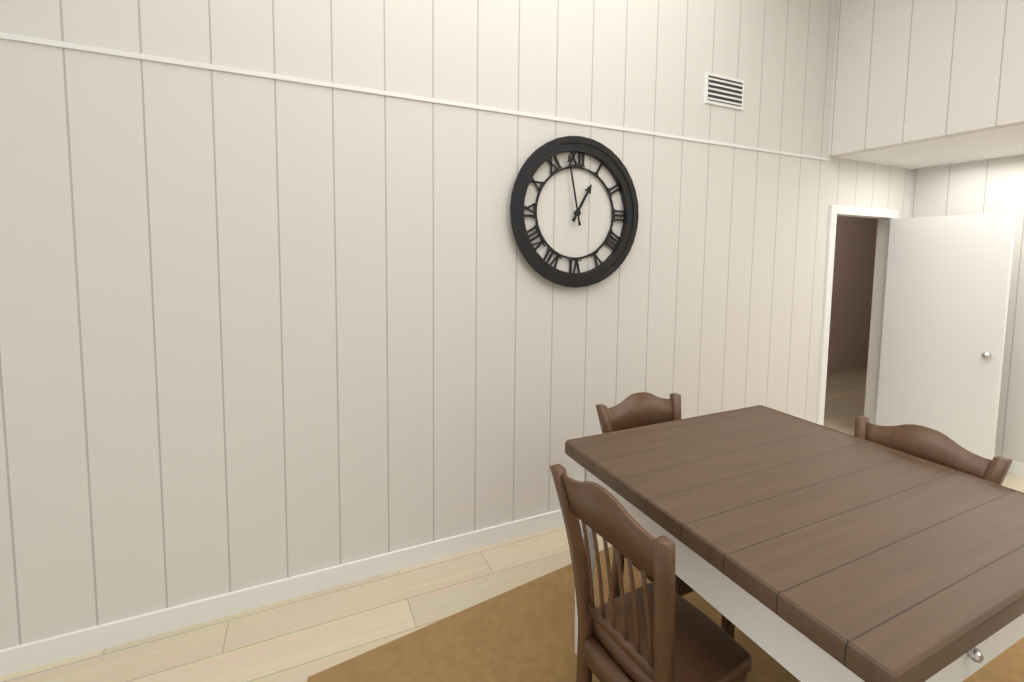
12h58
